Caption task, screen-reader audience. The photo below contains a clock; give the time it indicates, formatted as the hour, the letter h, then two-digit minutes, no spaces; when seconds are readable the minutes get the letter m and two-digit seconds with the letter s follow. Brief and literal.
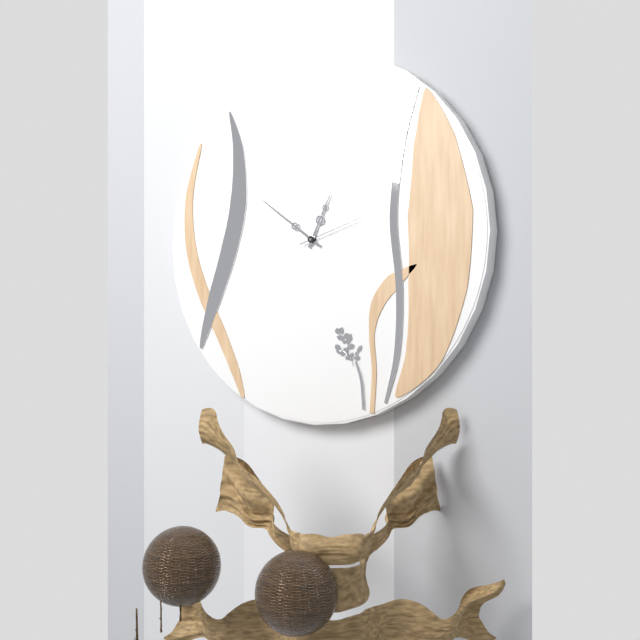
12h51m12s
